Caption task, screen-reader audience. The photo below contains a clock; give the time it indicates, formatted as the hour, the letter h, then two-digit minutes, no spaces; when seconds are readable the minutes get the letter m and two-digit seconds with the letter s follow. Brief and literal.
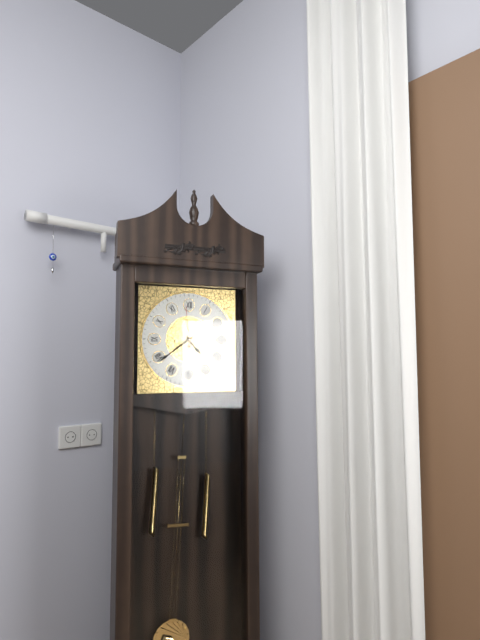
4h39
